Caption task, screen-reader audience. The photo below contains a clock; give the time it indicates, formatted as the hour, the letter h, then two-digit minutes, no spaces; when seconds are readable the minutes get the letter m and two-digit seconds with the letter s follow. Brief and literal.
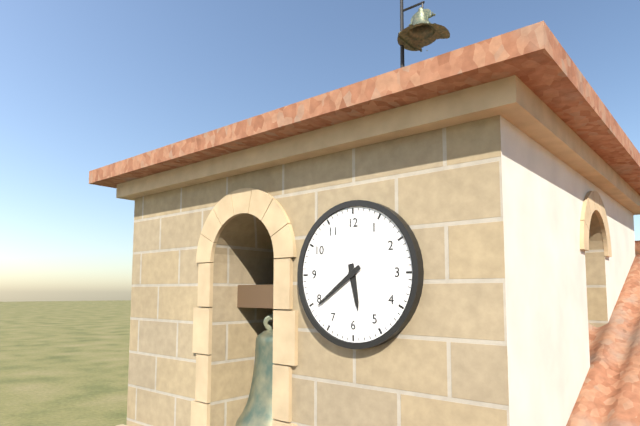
5h39
